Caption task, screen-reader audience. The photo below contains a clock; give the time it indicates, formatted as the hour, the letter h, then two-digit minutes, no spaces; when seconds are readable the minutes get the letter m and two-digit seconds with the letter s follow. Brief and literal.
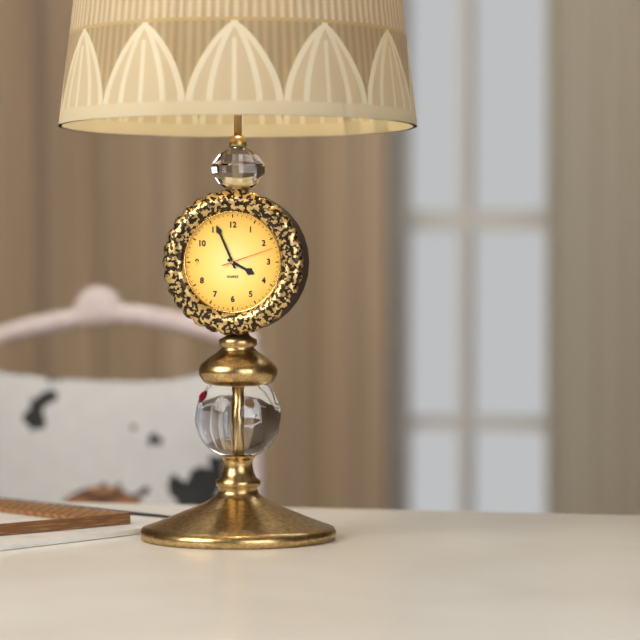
3h56m12s
